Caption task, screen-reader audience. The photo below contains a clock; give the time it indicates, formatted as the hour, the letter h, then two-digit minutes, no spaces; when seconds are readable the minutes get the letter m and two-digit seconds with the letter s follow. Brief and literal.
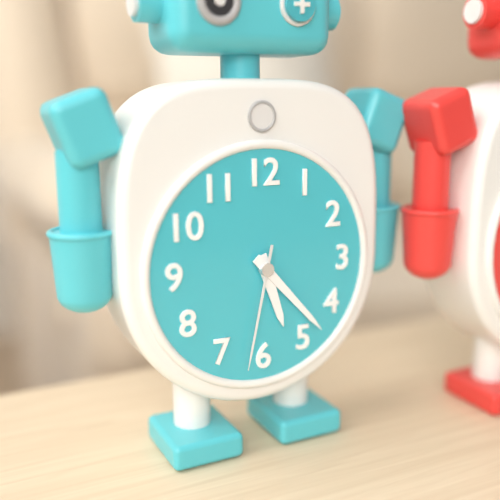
5h23m32s
